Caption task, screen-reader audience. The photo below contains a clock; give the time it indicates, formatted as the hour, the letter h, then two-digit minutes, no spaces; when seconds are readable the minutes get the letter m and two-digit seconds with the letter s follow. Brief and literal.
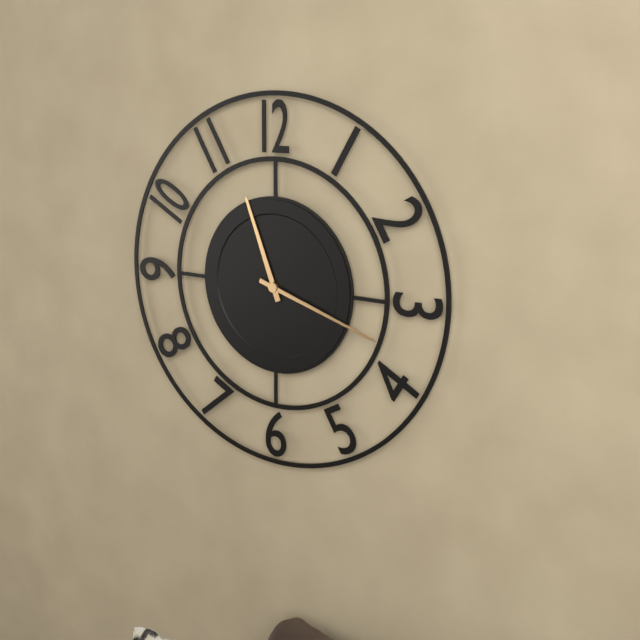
11h18
